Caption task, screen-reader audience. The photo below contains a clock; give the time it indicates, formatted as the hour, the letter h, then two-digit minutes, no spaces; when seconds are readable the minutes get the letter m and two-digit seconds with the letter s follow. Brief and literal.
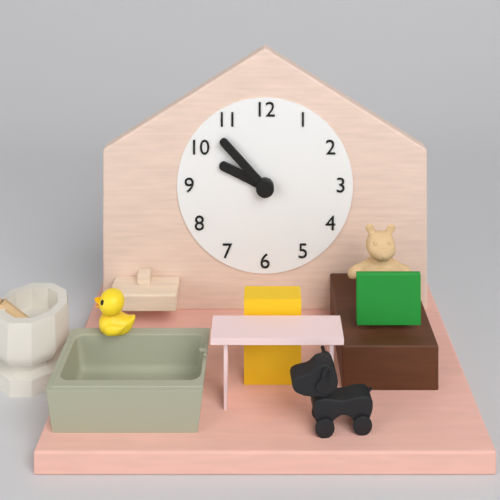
9h53
